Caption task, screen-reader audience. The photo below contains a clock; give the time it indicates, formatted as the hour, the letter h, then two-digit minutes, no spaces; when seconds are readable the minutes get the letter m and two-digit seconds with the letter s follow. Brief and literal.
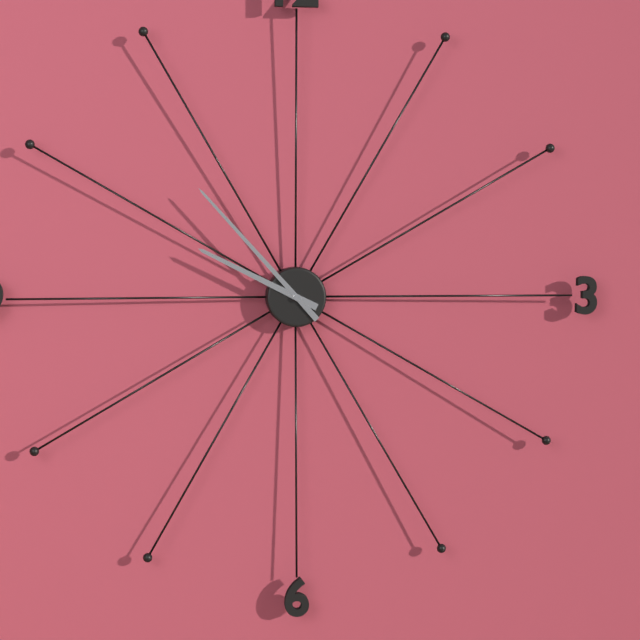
9h53
